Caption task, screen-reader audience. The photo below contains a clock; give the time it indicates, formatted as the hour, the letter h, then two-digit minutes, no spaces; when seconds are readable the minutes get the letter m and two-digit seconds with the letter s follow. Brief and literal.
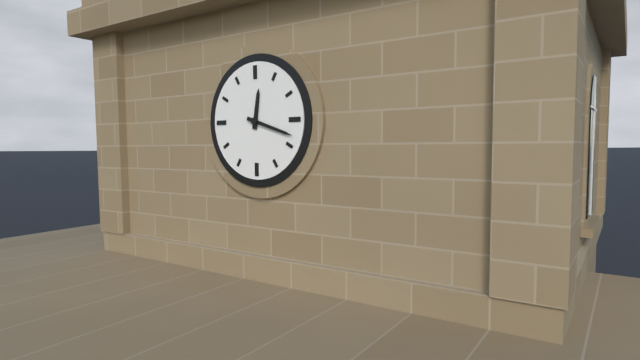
12h18
